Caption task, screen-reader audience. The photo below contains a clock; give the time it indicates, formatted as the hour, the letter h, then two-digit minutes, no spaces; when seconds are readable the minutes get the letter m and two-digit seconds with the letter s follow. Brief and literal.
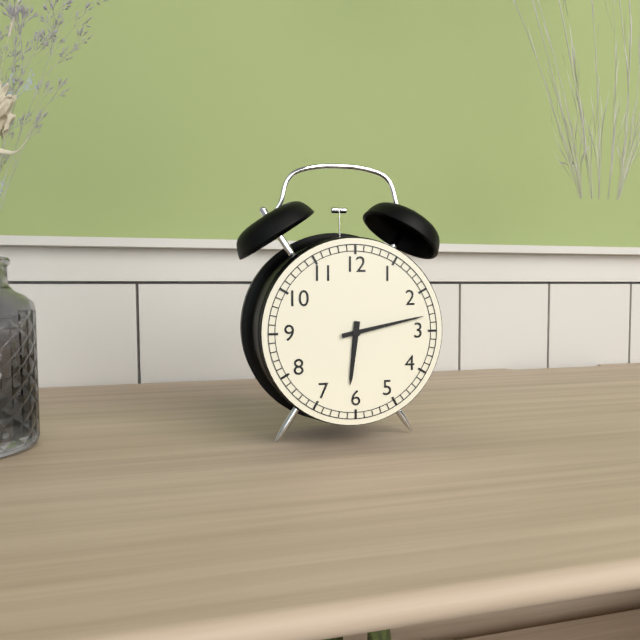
6h13
